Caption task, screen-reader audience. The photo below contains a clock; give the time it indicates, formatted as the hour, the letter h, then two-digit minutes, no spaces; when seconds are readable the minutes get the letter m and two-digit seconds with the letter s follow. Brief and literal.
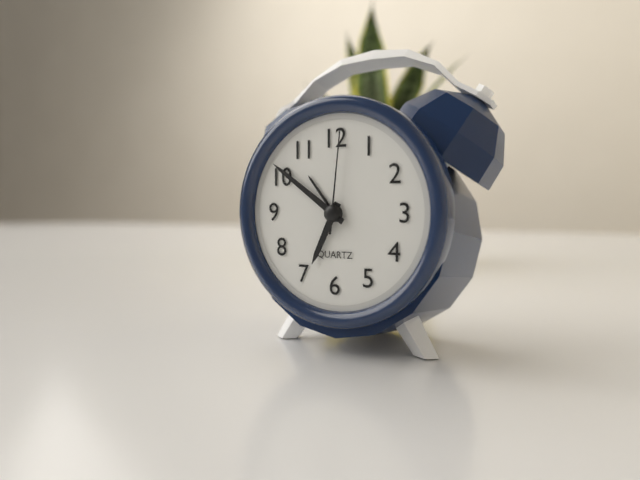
6h51m01s
